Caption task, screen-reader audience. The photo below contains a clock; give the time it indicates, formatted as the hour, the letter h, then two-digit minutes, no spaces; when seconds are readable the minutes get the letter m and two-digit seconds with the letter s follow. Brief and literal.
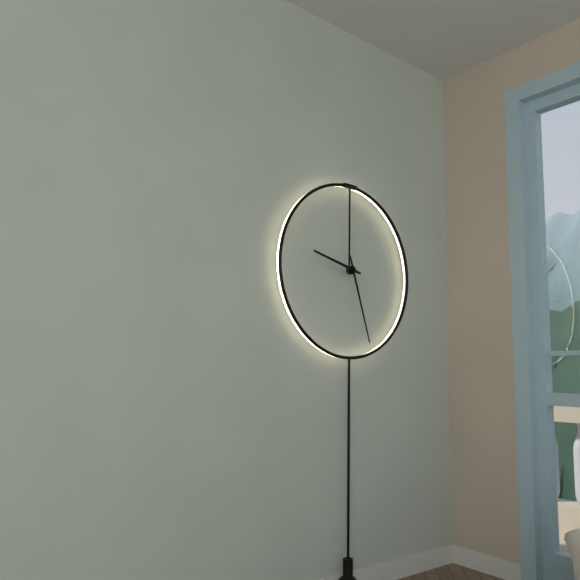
9h27
